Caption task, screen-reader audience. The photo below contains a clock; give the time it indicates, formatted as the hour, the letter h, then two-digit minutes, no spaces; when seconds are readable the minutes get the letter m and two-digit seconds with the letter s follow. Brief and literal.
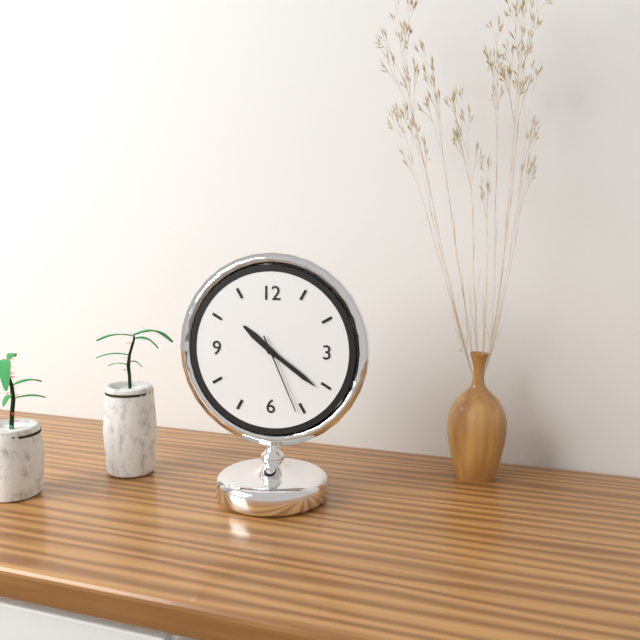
10h21m26s
